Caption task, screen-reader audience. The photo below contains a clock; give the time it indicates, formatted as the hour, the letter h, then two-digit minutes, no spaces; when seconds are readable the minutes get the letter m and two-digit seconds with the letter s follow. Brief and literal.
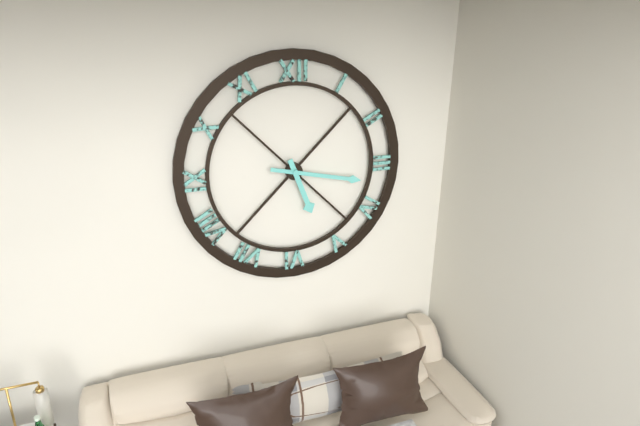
5h17
